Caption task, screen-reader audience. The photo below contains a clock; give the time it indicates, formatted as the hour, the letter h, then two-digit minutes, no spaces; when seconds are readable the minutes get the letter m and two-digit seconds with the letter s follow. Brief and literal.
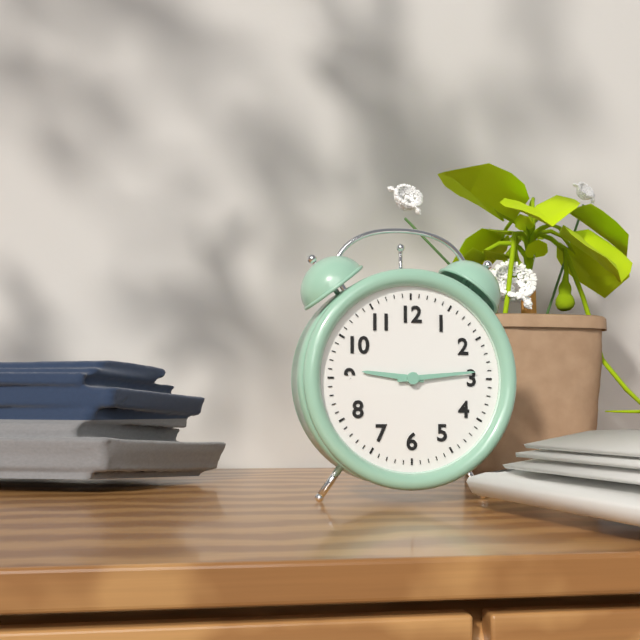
9h14
